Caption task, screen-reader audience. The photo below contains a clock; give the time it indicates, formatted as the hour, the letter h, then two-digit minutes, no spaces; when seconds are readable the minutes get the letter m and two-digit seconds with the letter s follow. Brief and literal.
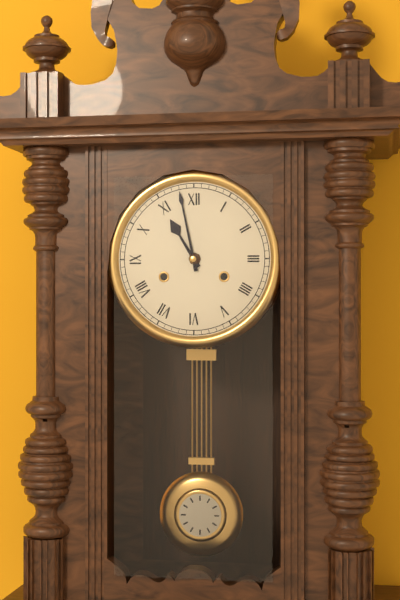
10h58
